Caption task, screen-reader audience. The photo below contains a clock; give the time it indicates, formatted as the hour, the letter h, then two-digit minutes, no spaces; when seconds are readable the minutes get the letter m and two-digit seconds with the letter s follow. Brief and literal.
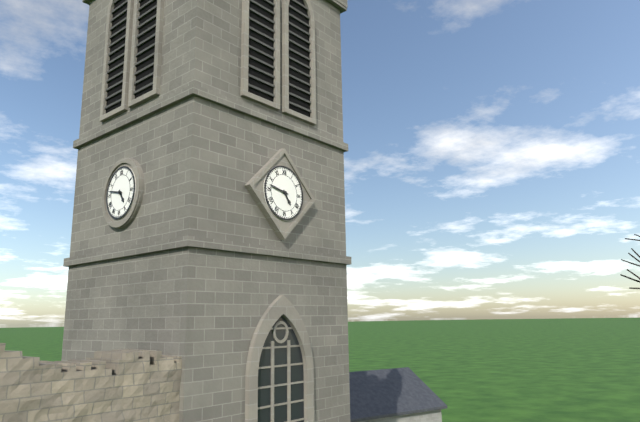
4h47
